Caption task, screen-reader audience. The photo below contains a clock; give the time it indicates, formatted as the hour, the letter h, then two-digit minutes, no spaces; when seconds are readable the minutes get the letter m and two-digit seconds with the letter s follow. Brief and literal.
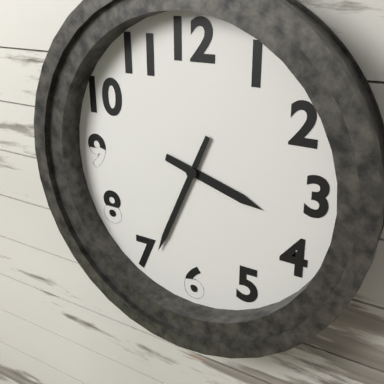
3h34
